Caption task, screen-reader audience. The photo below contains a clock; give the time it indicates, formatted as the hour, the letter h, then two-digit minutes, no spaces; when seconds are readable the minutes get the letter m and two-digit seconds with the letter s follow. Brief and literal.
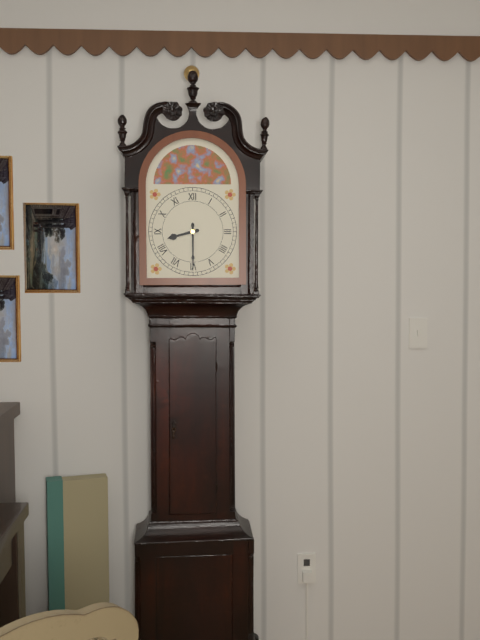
8h30
